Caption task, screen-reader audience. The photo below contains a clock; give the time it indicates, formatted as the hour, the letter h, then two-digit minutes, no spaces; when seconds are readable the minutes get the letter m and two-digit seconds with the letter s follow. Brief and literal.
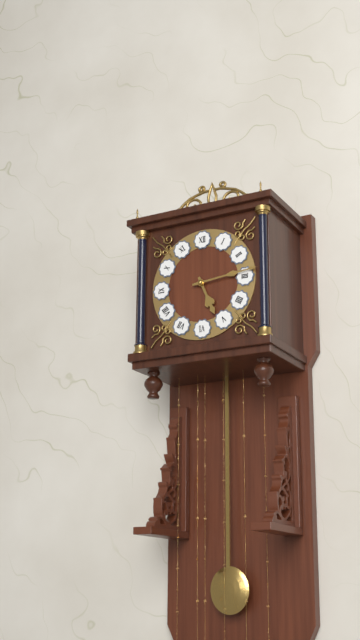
5h14
